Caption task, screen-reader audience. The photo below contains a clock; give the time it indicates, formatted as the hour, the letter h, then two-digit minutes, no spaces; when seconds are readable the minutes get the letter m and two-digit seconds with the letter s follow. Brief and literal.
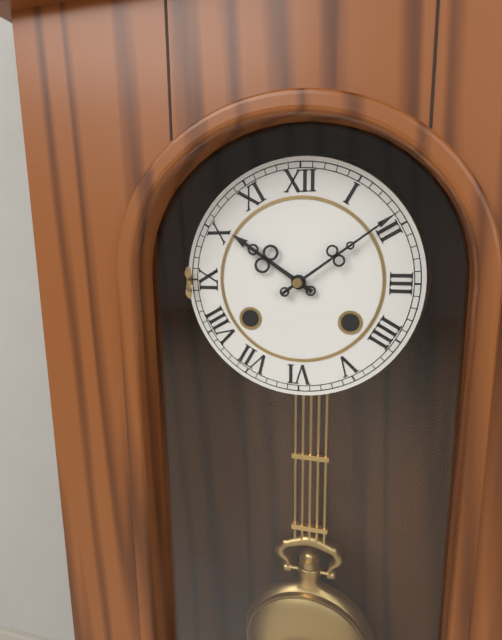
10h09
